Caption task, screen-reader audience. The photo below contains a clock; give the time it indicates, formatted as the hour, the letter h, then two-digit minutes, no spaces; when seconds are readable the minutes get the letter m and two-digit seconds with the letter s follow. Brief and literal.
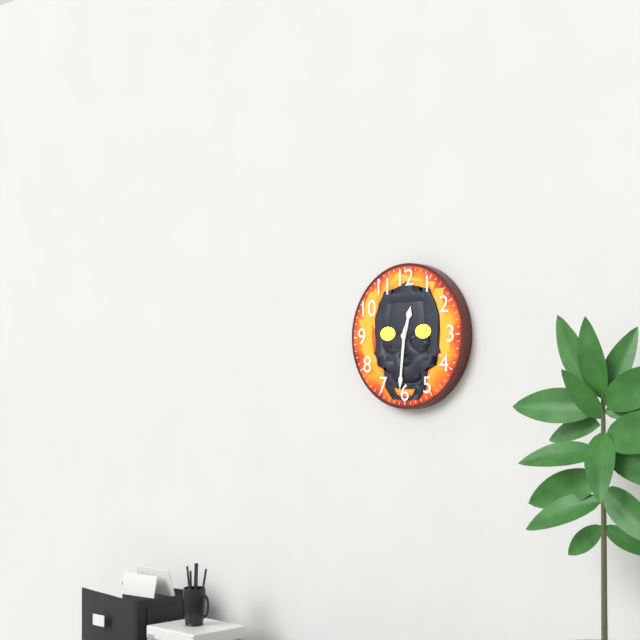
12h31
